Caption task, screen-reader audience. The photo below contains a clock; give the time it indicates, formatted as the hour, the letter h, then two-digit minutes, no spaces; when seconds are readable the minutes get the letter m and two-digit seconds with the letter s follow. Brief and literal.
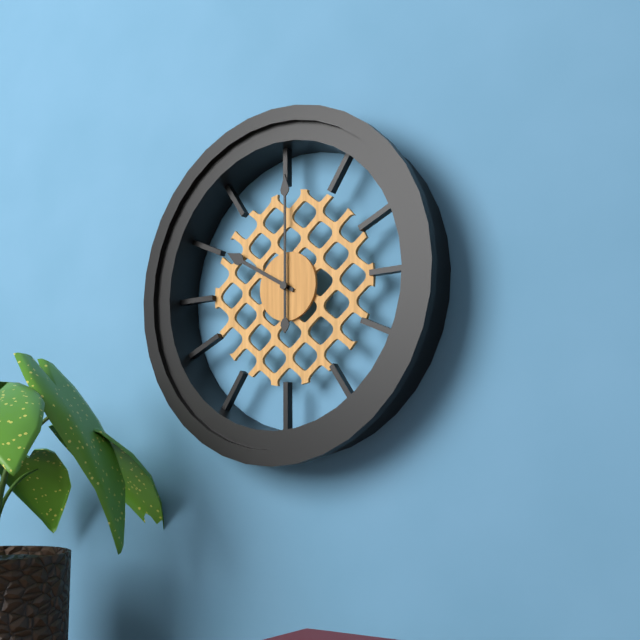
10h00
